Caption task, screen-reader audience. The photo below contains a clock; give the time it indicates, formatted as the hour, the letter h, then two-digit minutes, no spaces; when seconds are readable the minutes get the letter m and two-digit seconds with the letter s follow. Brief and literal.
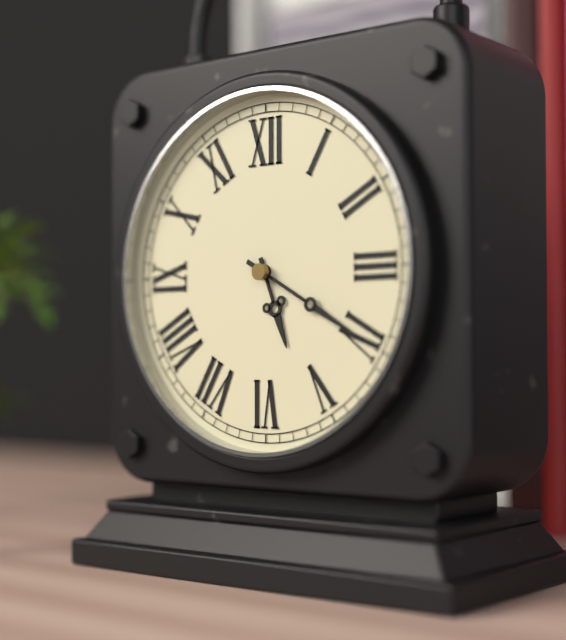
5h20
